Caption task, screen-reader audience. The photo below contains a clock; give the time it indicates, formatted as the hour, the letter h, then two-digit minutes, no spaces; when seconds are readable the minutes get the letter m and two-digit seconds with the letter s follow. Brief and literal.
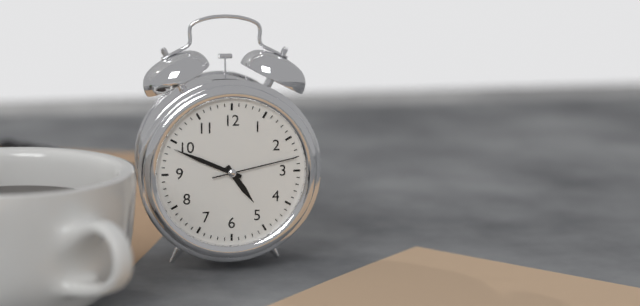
4h49m13s
